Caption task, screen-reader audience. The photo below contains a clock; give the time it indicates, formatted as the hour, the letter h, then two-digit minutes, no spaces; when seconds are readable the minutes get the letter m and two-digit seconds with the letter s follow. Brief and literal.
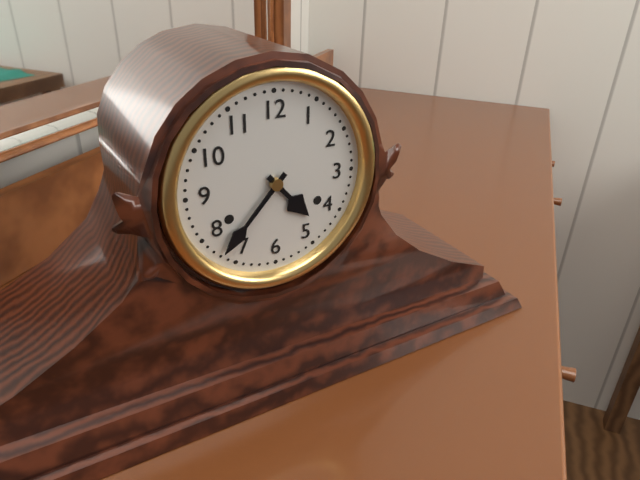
4h37
